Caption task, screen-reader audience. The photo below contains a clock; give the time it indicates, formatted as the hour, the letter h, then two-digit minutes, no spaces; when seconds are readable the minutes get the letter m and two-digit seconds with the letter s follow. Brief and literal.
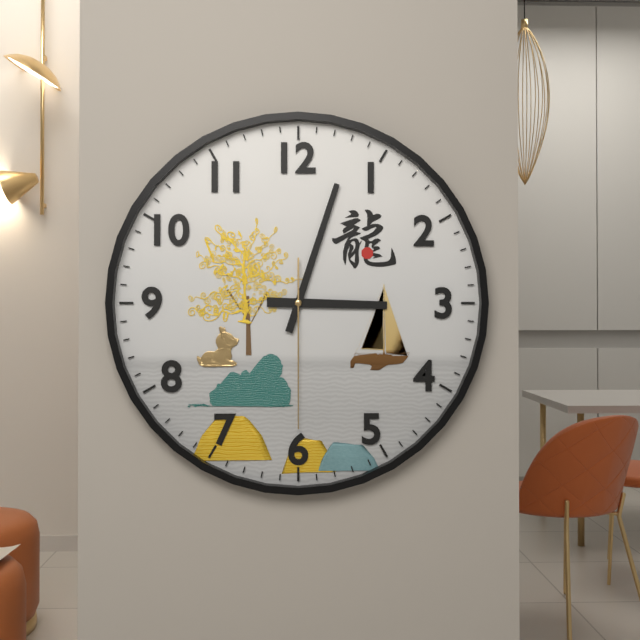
3h03m30s
